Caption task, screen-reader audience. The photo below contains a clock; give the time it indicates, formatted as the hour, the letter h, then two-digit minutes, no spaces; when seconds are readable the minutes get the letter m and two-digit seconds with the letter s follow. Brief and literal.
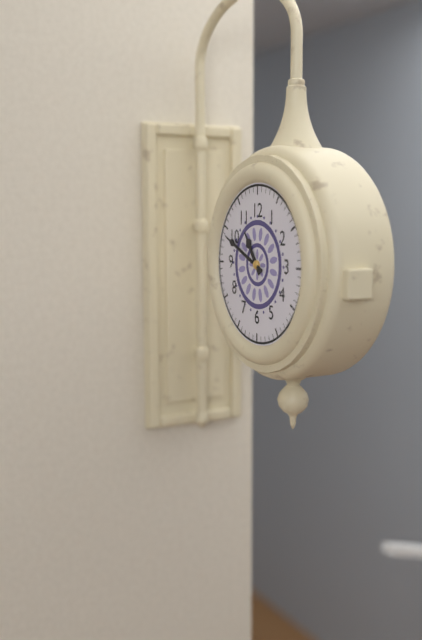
10h49
